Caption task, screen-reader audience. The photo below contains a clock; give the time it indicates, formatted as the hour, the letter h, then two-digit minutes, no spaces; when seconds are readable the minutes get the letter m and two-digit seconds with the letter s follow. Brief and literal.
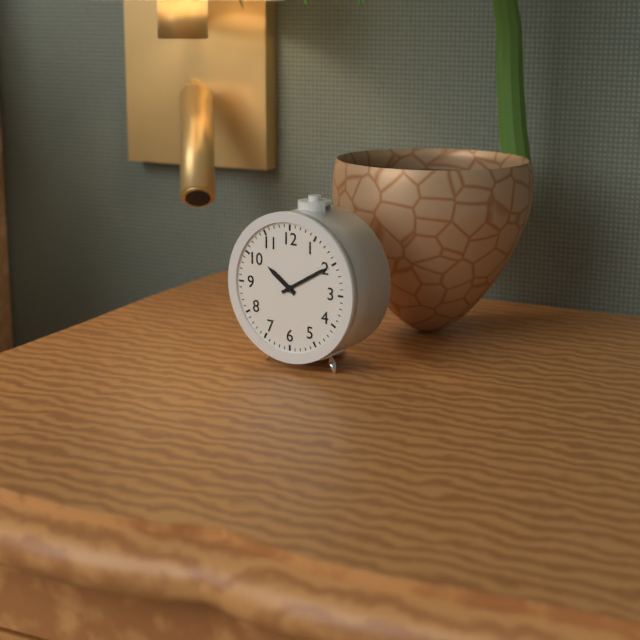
10h10
